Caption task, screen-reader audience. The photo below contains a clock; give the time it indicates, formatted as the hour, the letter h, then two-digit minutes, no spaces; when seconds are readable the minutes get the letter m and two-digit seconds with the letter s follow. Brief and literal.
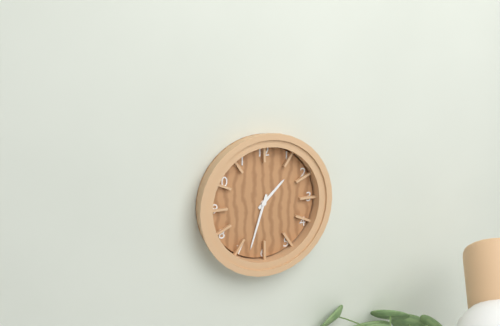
1h33
